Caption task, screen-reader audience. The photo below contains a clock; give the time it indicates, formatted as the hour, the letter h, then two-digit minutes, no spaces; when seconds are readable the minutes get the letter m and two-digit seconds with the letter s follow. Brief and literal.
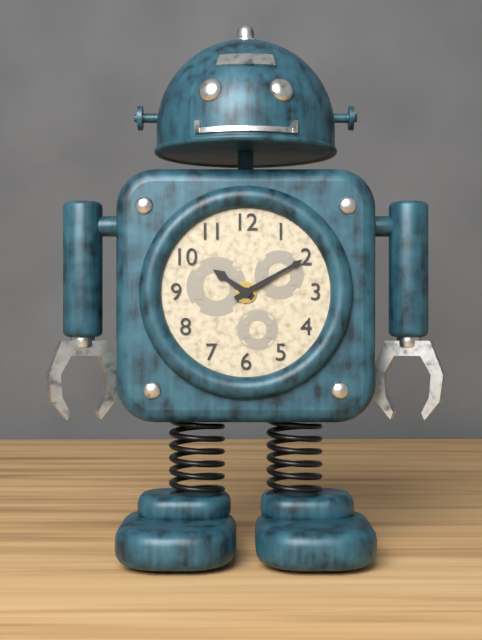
10h10
